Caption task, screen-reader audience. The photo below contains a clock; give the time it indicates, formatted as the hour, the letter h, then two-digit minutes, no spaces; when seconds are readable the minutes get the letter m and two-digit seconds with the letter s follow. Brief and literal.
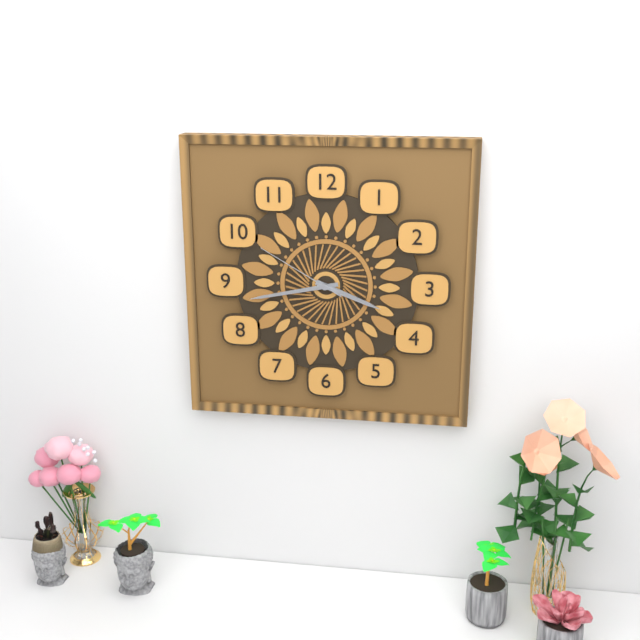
3h43m50s
